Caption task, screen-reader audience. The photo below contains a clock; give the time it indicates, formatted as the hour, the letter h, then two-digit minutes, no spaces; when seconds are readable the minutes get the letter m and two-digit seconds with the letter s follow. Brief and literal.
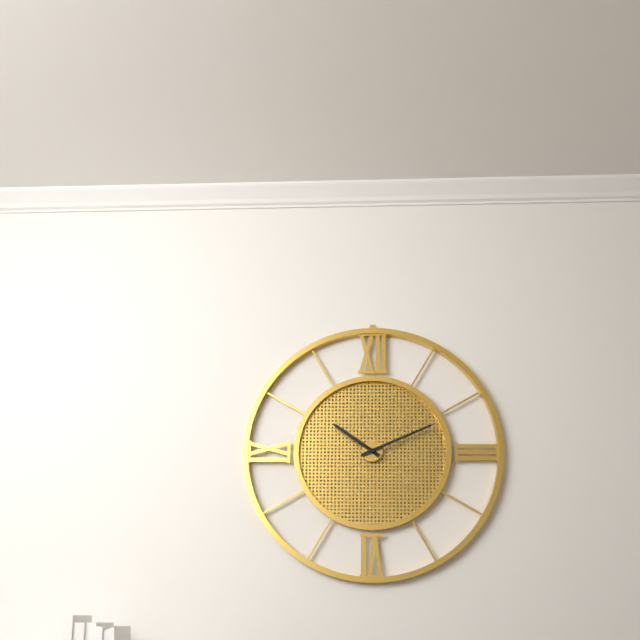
10h11
